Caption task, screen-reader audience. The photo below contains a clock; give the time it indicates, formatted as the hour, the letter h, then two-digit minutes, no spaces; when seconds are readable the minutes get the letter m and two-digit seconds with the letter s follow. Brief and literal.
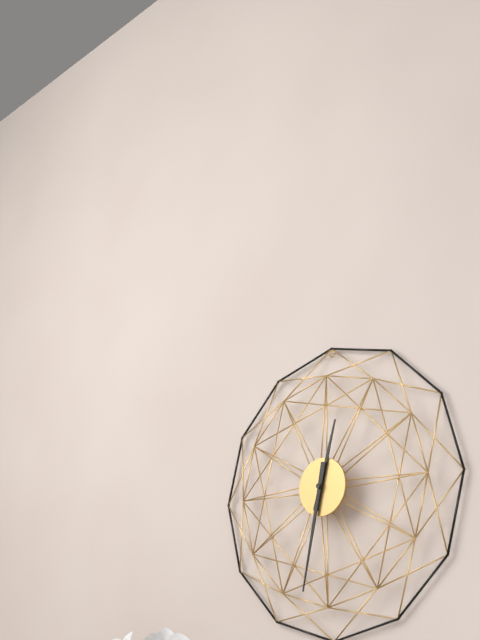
12h32
